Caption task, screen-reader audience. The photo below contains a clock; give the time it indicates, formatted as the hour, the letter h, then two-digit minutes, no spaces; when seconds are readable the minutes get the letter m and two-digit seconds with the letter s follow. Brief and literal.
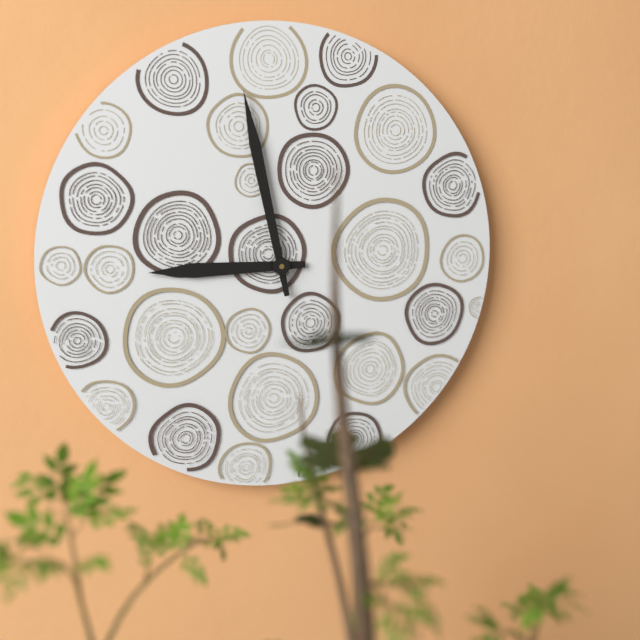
8h58
